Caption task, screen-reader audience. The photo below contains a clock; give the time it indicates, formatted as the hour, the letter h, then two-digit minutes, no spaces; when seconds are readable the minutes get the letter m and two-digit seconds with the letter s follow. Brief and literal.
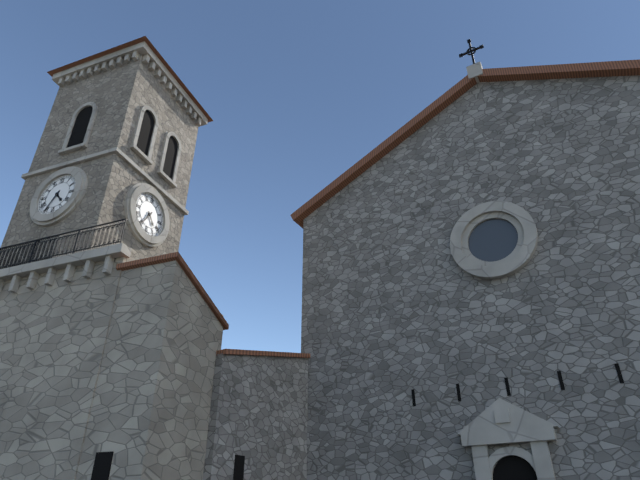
4h35
